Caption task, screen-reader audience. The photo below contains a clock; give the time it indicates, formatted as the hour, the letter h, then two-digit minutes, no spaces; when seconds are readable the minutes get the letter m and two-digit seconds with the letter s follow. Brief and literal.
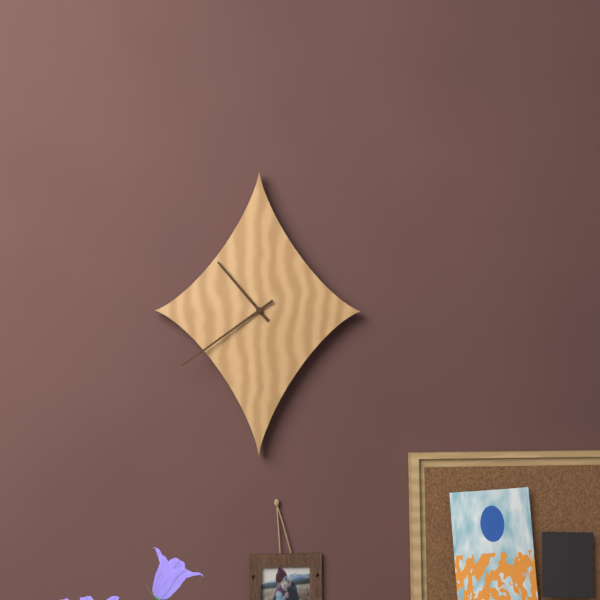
10h39
